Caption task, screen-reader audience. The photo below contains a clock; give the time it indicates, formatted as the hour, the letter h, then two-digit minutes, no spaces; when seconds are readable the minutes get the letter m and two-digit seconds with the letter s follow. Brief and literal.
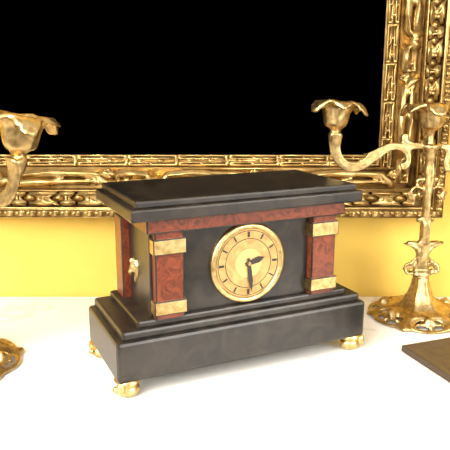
2h29
